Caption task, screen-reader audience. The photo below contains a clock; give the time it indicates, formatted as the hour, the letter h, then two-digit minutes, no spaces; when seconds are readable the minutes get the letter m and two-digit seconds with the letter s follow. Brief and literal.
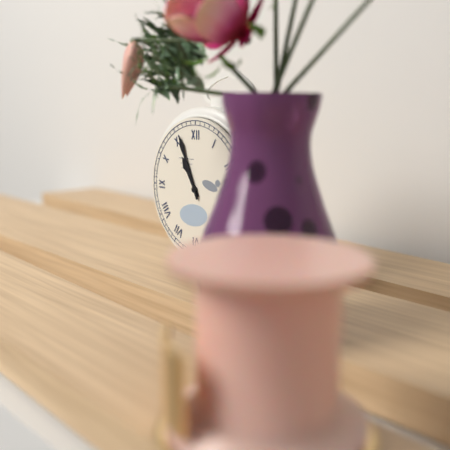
10h56
